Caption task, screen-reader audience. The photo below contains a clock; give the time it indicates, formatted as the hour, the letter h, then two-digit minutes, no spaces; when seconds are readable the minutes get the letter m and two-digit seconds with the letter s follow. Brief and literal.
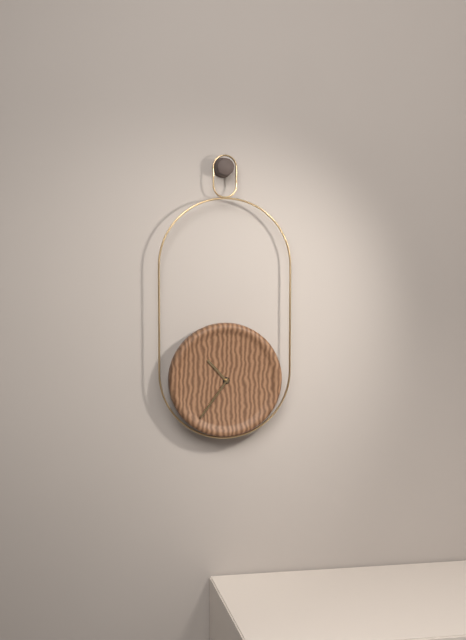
10h36
